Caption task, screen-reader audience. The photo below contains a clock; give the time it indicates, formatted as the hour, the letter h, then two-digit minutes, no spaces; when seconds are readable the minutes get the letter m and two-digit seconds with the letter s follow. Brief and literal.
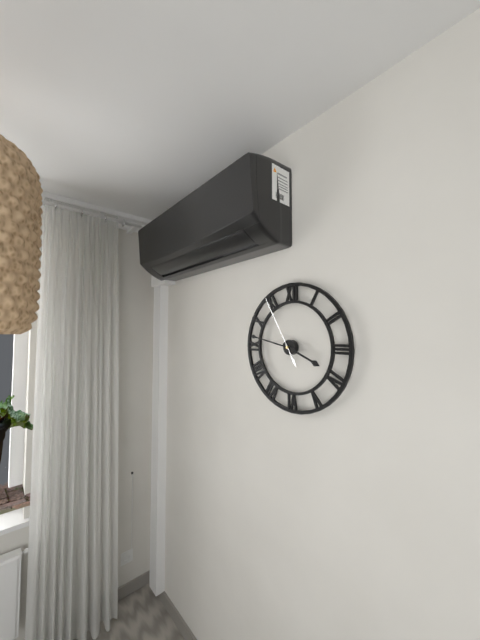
3h47m55s
